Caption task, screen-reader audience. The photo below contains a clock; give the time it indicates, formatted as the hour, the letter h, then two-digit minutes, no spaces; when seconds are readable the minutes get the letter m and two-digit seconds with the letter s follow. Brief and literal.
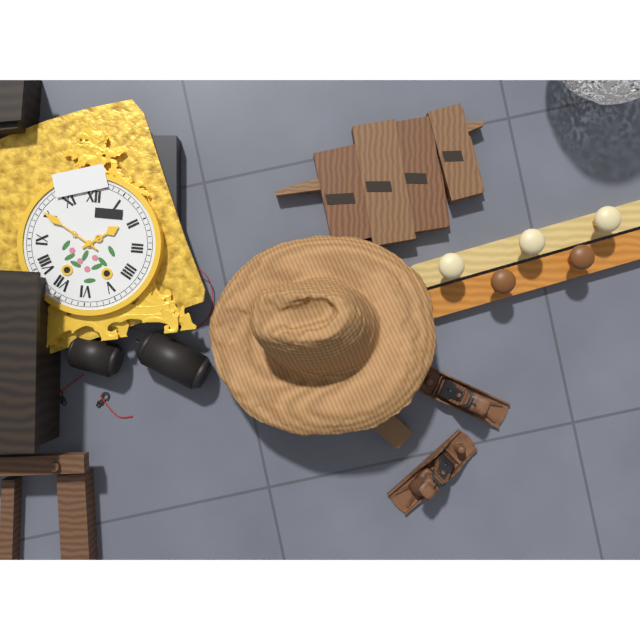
1h50
